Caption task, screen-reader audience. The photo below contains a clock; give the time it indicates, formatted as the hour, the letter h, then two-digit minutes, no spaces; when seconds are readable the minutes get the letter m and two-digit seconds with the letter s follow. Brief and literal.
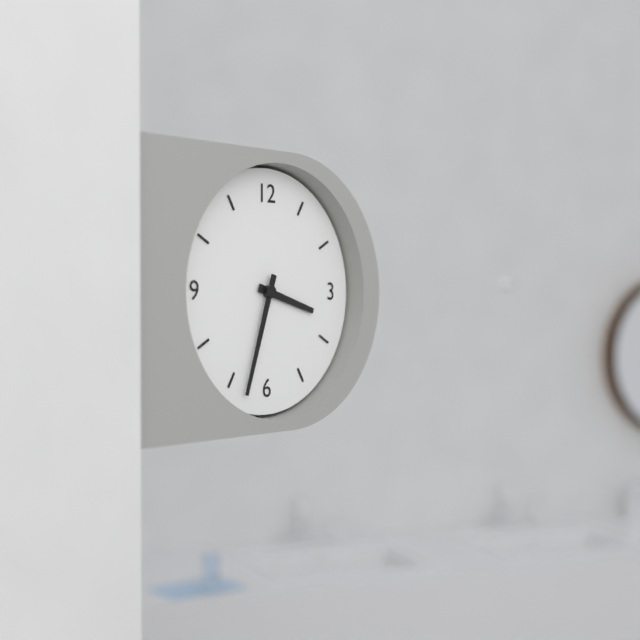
3h33
